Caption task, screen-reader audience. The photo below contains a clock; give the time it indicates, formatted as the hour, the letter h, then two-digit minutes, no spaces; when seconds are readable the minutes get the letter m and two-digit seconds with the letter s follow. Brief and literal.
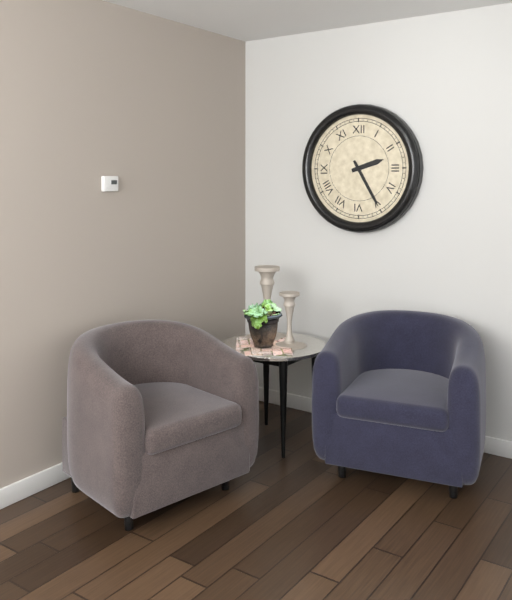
2h25
